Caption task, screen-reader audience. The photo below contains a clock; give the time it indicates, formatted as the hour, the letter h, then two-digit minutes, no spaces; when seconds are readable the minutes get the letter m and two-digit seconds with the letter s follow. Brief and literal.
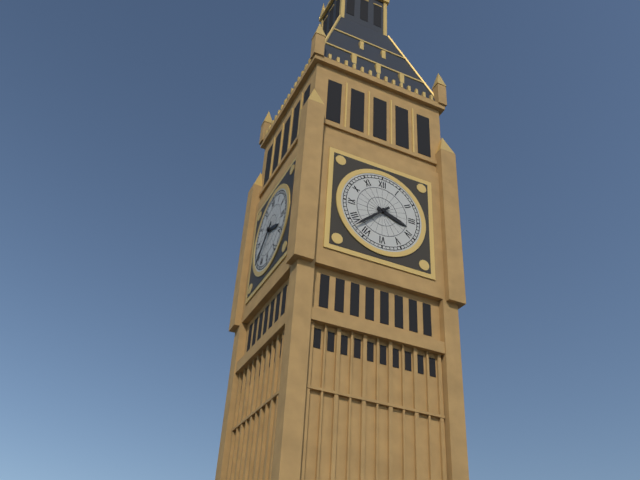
3h38
